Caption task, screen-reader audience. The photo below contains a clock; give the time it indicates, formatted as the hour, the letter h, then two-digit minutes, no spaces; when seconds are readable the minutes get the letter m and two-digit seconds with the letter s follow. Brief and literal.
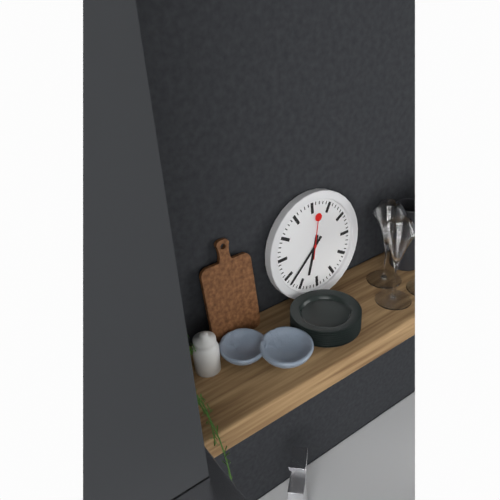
6h38
